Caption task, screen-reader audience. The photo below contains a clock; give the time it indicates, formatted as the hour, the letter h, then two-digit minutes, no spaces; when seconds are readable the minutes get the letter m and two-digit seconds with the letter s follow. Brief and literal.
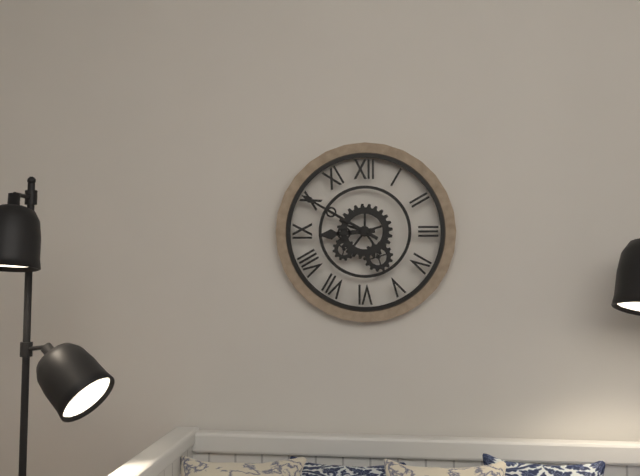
8h50
